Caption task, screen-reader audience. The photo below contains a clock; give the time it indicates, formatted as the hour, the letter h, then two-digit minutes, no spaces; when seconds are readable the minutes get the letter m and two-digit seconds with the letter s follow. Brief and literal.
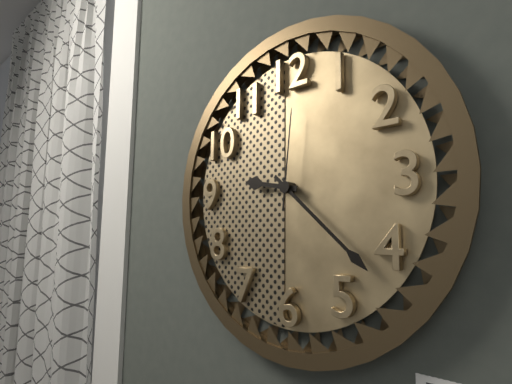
9h22m01s
